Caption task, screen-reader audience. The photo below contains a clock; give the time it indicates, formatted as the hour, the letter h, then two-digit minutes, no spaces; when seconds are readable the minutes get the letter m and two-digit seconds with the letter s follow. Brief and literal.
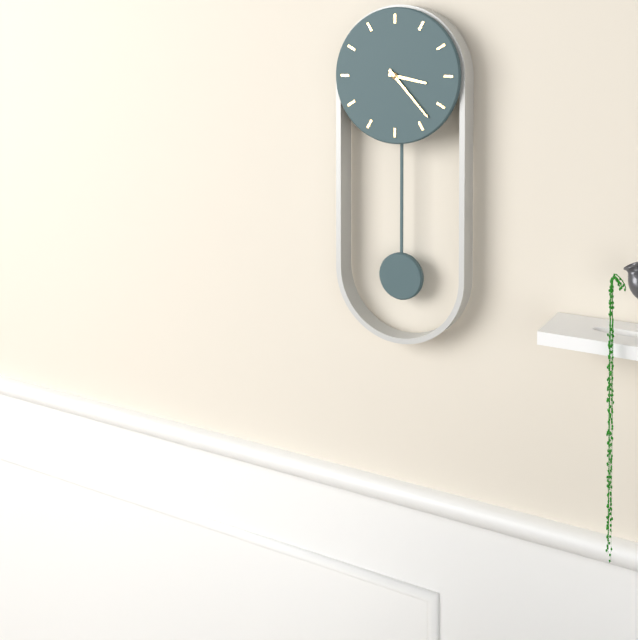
3h23
